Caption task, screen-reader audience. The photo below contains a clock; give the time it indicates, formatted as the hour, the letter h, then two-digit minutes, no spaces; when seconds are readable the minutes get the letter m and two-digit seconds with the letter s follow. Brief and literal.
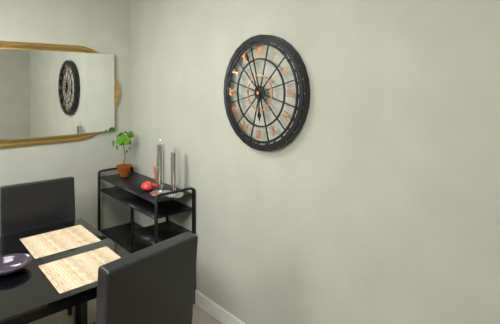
5h56
